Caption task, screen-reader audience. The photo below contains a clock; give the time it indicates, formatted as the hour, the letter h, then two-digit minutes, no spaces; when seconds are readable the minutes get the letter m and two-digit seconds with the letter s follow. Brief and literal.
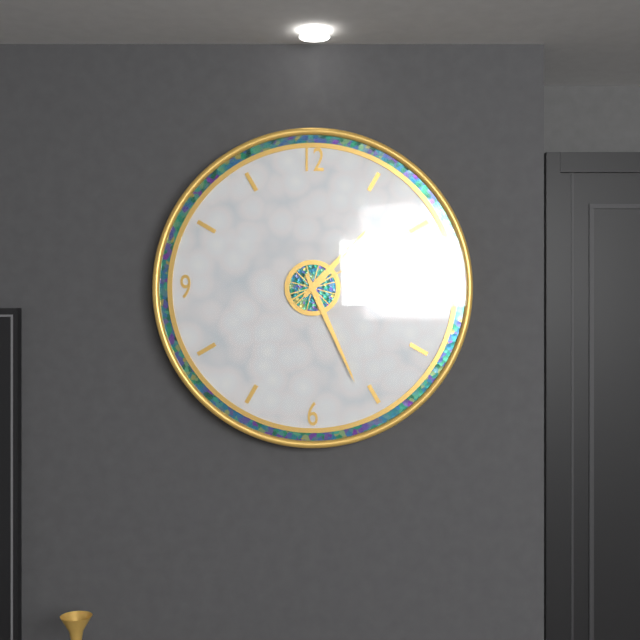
1h26m10s
